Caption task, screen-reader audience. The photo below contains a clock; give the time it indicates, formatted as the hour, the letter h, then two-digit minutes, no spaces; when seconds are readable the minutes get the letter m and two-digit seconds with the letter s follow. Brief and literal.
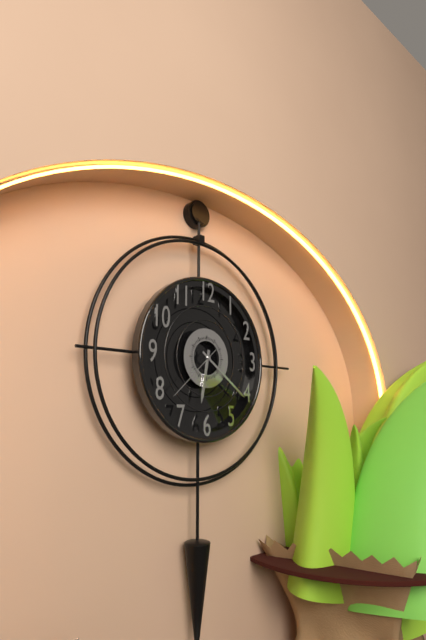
6h21m38s
